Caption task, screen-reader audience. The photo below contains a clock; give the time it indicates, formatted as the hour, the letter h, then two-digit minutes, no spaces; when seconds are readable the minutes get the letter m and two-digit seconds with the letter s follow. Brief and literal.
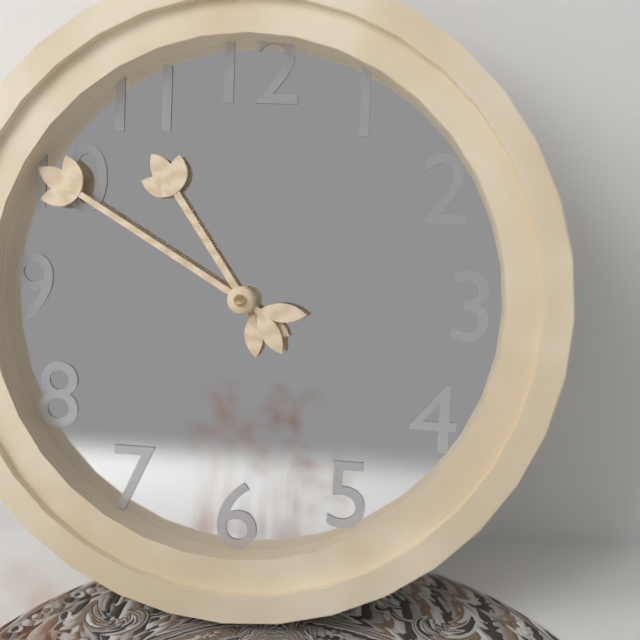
10h50
